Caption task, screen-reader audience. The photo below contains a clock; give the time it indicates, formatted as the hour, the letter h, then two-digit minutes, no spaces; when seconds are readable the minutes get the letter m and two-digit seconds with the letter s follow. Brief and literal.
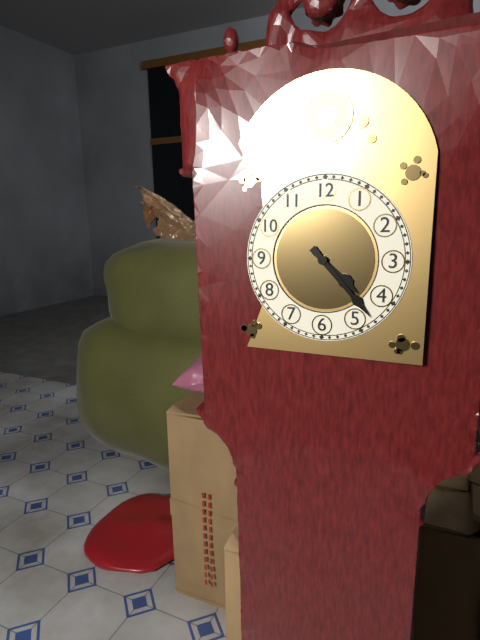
4h23
